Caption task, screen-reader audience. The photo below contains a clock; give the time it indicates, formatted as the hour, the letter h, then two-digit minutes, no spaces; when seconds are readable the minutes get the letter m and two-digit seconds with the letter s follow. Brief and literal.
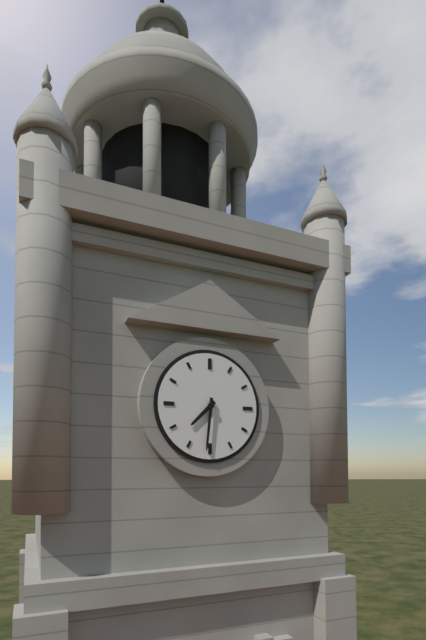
7h31
